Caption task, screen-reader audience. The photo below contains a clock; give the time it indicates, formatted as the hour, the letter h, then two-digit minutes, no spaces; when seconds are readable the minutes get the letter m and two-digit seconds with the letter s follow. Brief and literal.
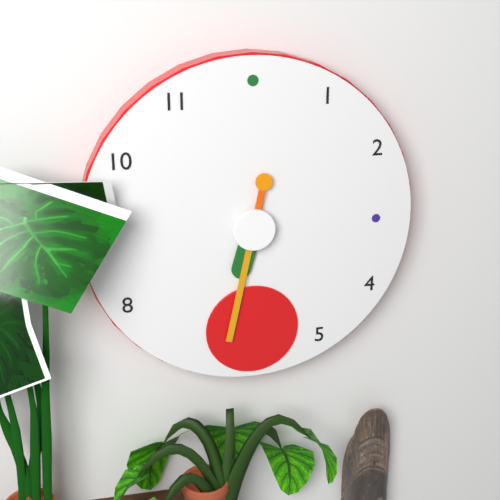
6h32
